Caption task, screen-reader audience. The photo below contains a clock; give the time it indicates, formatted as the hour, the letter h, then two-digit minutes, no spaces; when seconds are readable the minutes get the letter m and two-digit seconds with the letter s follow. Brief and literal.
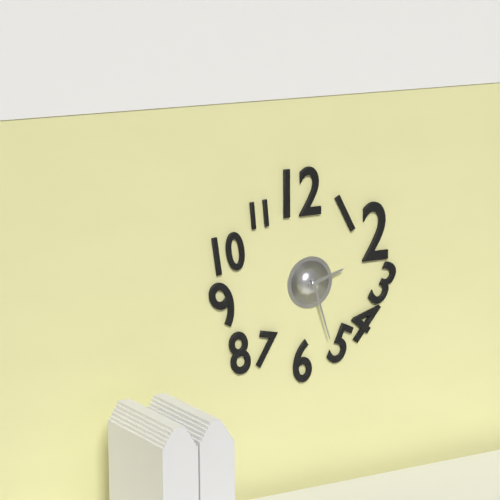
2h27
